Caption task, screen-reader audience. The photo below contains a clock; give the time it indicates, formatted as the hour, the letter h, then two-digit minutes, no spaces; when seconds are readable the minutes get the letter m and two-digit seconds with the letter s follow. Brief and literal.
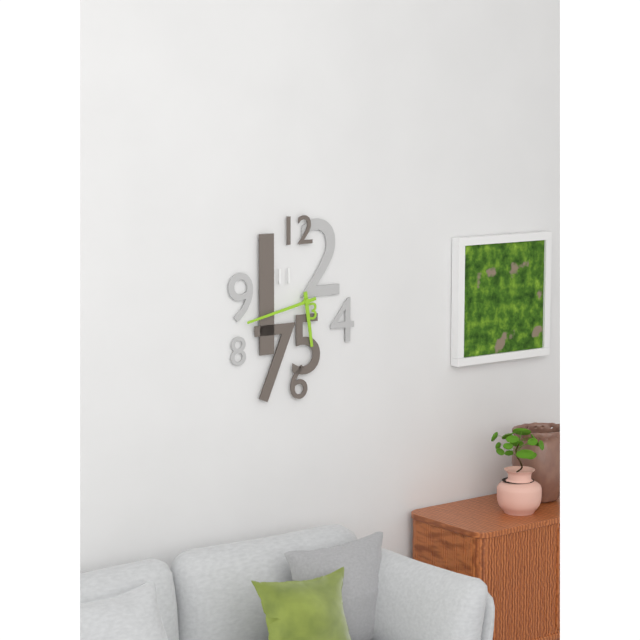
5h43
